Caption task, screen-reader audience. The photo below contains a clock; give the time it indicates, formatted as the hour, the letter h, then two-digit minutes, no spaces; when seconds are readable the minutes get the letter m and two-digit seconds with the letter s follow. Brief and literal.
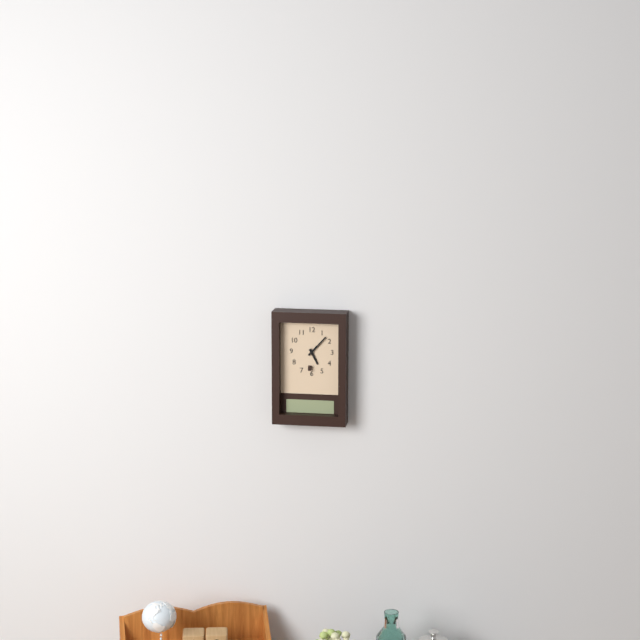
5h07
